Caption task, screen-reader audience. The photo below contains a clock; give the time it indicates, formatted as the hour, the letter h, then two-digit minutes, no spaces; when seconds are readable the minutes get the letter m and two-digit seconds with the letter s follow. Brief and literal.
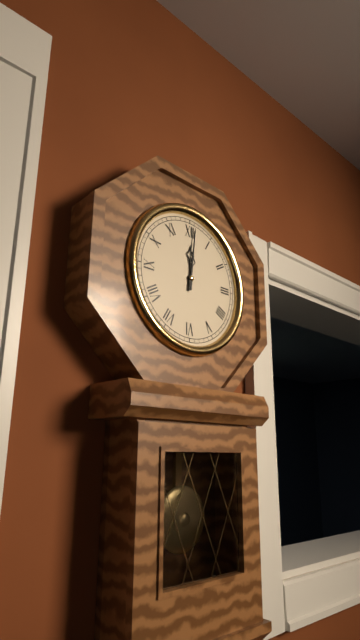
12h01
